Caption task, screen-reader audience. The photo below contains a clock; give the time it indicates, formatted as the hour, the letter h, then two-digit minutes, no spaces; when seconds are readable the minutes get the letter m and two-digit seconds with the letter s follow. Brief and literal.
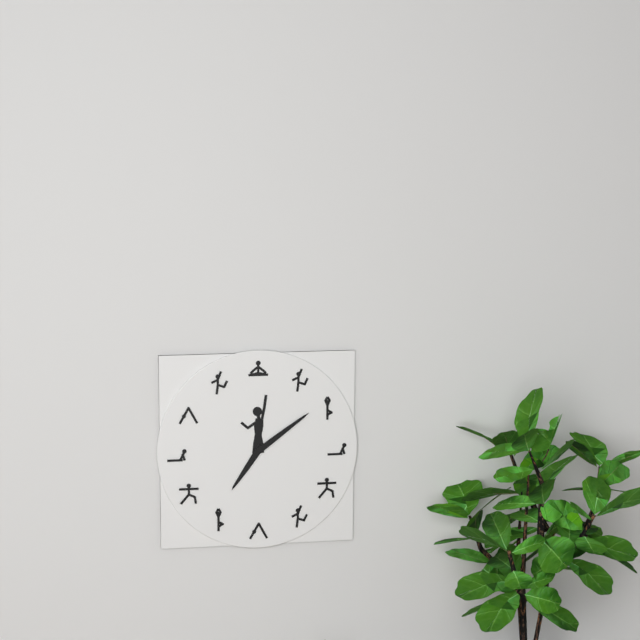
7h09
